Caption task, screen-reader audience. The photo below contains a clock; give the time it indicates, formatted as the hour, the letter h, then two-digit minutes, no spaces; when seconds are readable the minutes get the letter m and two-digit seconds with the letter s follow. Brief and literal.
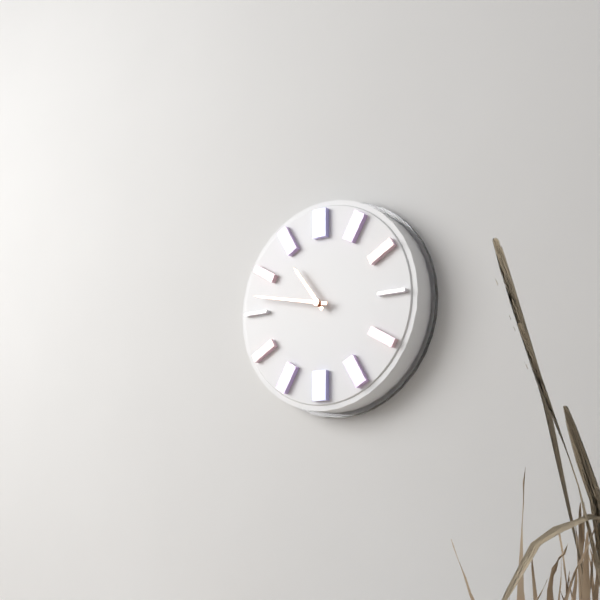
10h47
